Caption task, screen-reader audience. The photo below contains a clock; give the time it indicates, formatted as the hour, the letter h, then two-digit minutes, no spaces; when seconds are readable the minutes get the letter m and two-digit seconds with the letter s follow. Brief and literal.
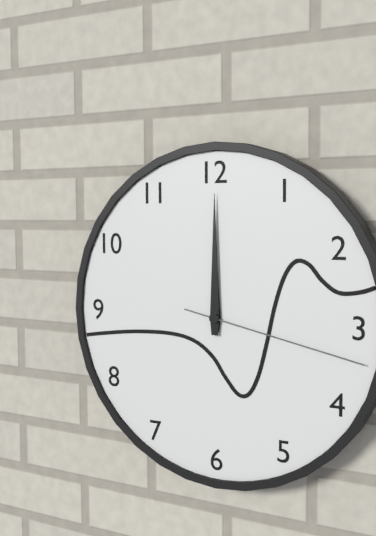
12h00m17s
